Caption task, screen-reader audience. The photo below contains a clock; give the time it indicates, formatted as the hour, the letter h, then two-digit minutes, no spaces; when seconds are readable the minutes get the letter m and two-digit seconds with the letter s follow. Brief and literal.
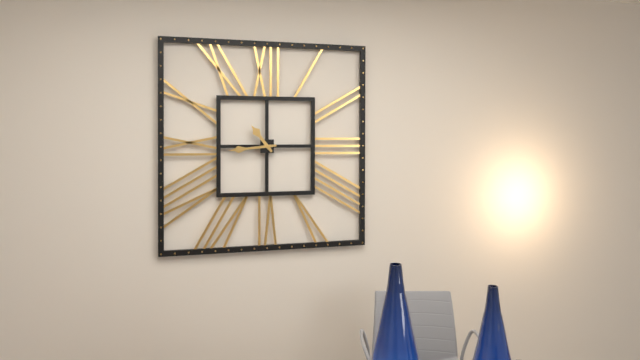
10h44
